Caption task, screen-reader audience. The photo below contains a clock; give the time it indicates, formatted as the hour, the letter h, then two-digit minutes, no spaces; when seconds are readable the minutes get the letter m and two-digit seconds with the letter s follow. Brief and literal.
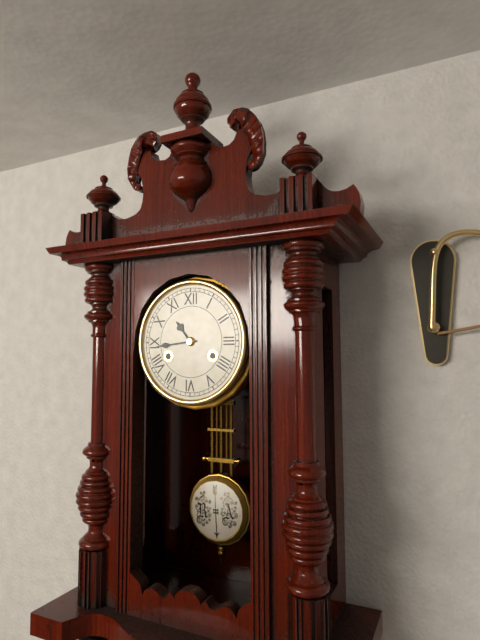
10h44
